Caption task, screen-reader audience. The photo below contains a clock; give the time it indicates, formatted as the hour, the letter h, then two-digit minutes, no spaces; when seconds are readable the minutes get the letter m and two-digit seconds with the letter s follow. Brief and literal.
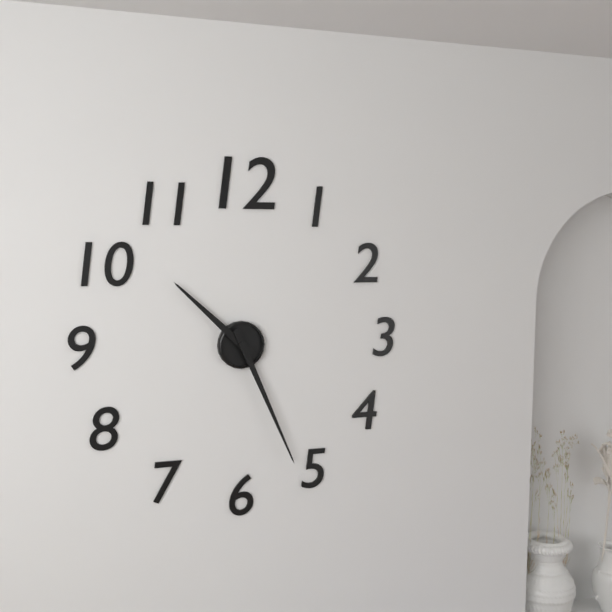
10h26
